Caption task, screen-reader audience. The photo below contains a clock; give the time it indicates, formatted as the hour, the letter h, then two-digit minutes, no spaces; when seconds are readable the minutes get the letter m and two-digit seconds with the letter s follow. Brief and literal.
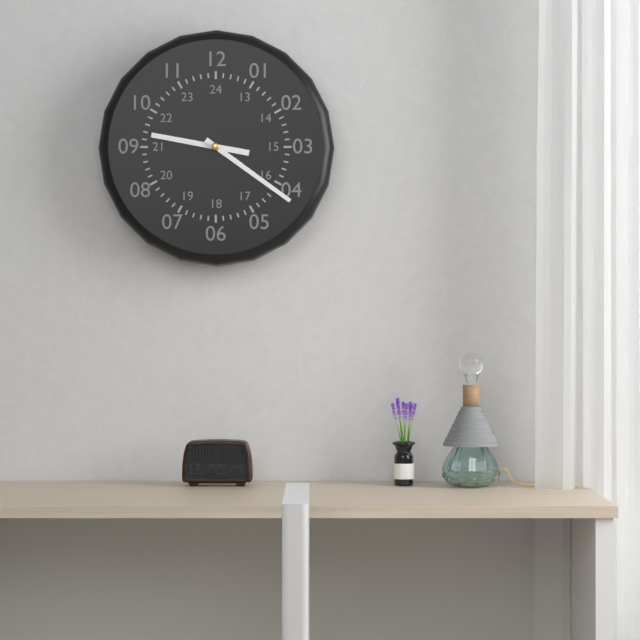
9h21
